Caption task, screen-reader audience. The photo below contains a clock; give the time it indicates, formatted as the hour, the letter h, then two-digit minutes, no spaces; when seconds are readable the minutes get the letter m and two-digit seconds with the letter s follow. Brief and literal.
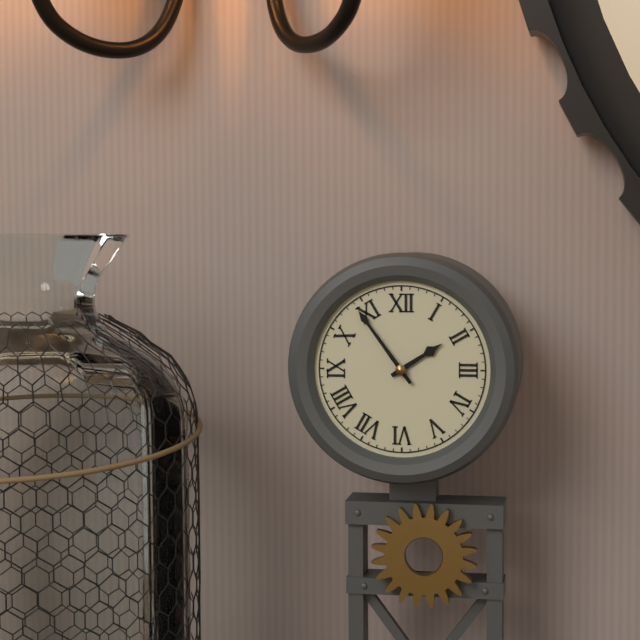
1h54
